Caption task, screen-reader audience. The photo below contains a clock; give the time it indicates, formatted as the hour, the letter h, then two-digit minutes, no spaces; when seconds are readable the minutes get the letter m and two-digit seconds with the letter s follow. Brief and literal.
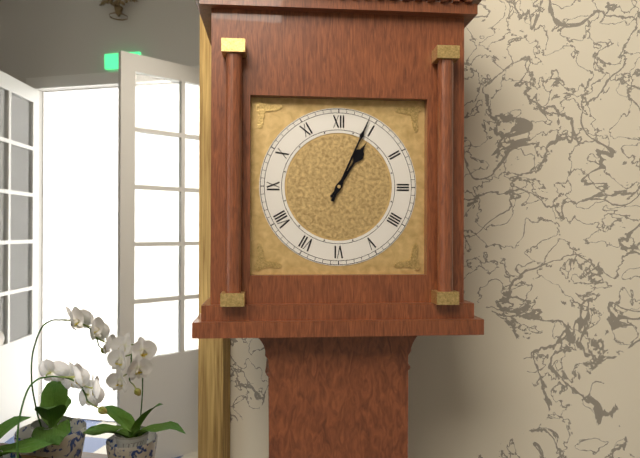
1h04
